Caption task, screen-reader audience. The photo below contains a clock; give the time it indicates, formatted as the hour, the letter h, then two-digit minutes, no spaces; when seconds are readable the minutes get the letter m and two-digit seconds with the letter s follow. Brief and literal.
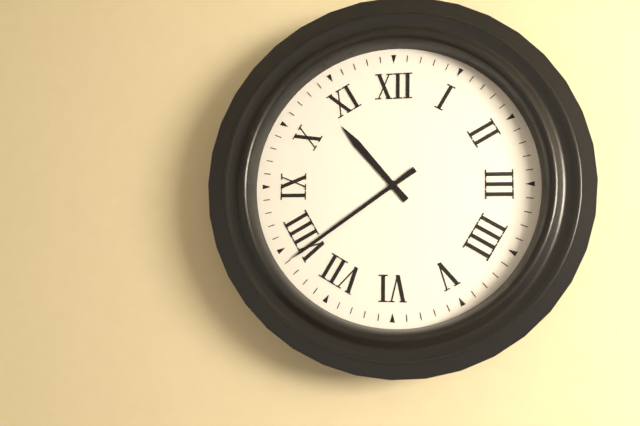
10h39
